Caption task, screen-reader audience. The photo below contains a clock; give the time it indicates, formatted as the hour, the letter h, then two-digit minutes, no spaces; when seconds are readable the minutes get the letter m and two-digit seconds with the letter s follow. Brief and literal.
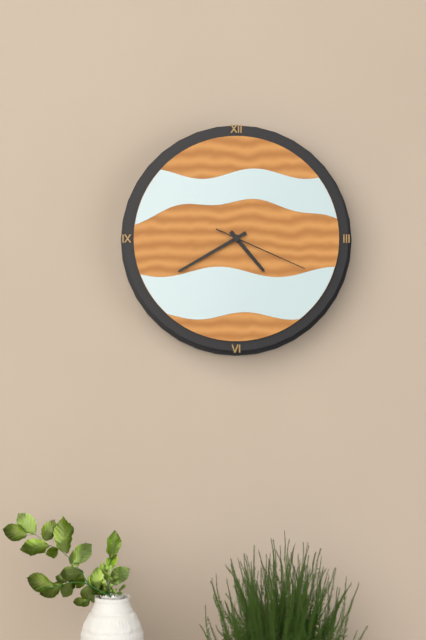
4h40m19s
